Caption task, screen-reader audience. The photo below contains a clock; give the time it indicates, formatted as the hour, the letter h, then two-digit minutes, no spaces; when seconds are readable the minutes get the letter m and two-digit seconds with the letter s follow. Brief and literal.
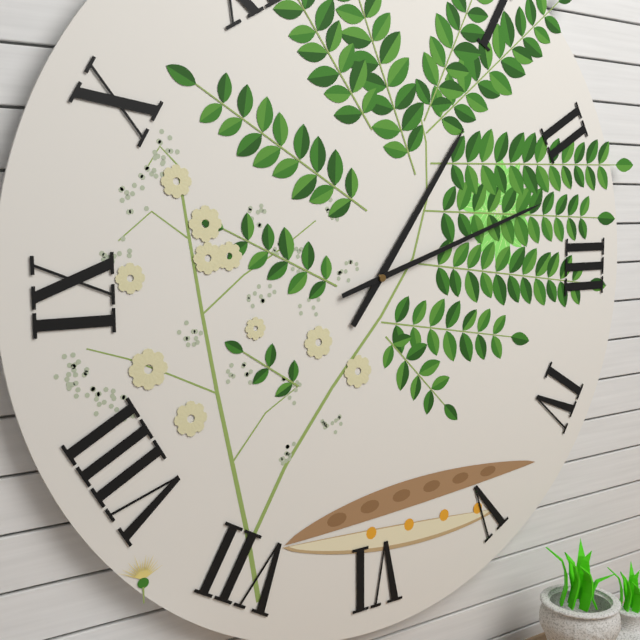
1h12
